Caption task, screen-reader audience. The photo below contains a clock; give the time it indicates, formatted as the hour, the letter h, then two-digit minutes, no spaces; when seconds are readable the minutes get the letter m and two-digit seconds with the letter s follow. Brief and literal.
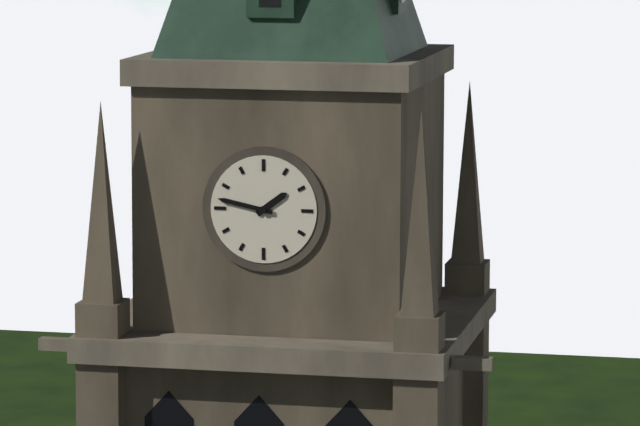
1h47
